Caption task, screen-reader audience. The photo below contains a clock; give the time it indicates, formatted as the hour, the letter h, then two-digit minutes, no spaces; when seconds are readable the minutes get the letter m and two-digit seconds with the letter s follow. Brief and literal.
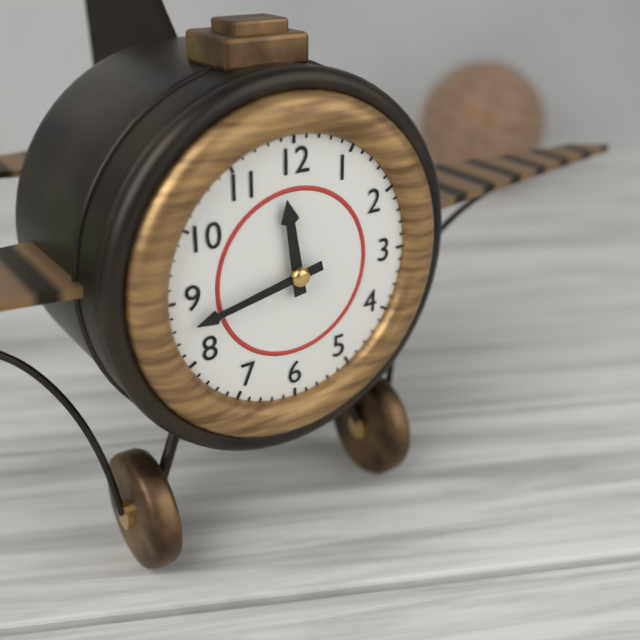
11h43
